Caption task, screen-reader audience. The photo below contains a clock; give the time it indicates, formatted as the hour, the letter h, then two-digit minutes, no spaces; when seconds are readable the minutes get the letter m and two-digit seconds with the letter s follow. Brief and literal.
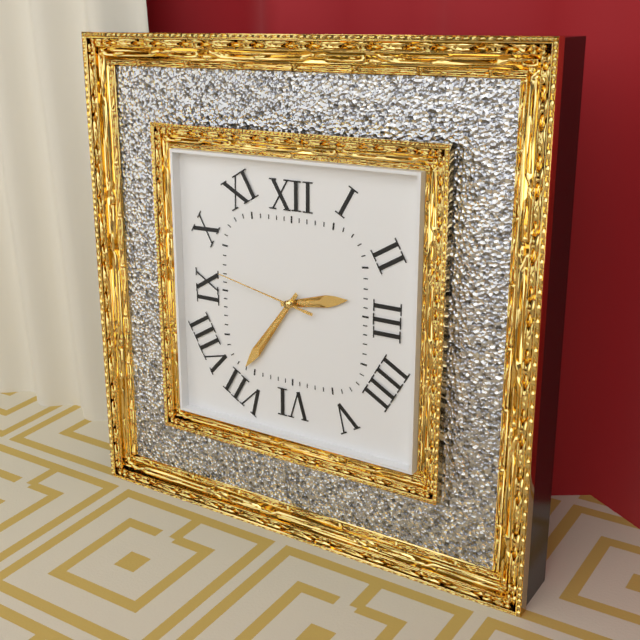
2h36m47s
